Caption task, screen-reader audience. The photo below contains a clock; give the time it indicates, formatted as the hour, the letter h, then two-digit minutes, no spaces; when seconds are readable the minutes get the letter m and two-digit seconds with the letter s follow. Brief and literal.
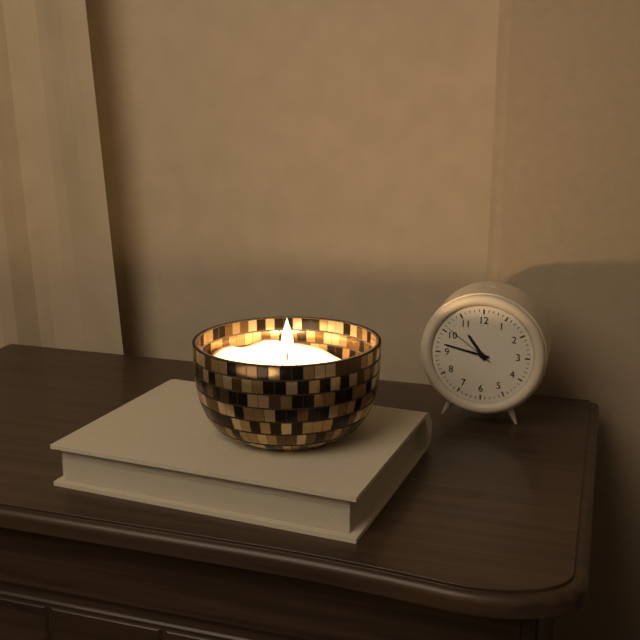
10h47m51s
